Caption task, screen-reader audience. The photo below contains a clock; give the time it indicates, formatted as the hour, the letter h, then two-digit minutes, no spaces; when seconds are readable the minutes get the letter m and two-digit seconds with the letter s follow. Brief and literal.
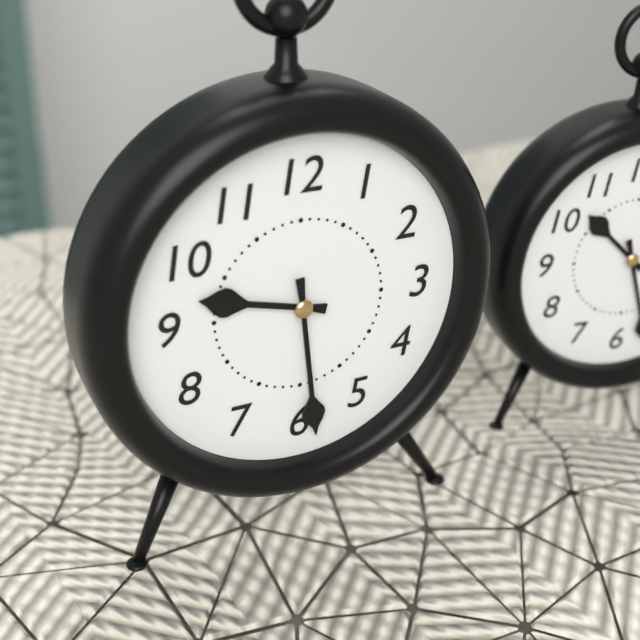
9h29
